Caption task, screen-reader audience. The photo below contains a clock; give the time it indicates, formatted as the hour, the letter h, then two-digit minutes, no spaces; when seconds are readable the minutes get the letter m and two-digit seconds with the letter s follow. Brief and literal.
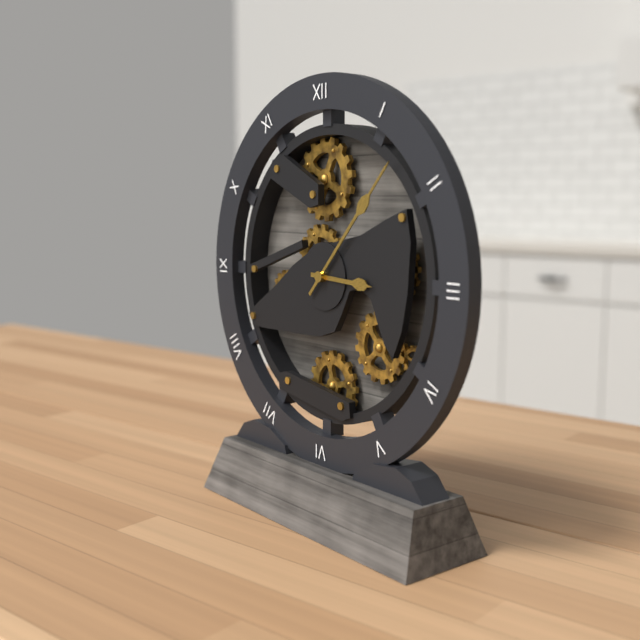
3h07
